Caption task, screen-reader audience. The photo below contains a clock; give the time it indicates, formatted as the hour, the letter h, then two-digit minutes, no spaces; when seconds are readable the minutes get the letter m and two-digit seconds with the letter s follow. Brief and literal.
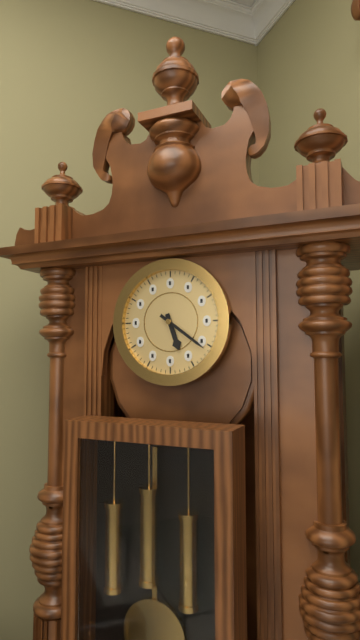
5h21
